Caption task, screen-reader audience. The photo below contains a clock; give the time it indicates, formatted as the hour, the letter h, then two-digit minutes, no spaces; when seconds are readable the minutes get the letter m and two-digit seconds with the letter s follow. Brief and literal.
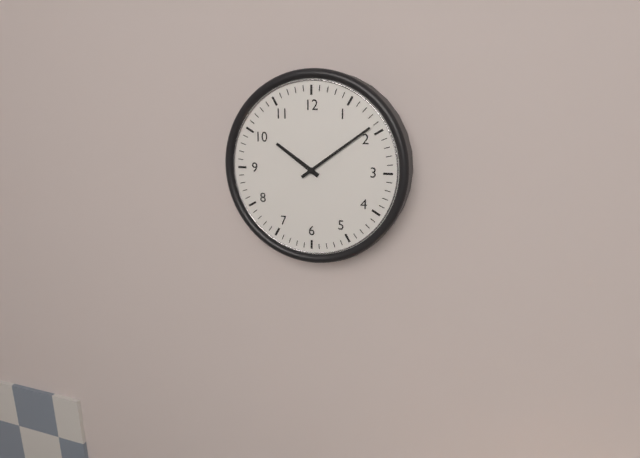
10h09
